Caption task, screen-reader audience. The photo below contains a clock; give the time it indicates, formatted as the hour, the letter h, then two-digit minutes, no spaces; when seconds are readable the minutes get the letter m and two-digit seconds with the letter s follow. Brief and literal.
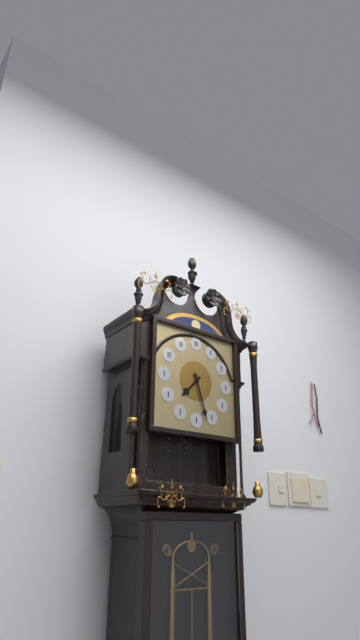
7h27
